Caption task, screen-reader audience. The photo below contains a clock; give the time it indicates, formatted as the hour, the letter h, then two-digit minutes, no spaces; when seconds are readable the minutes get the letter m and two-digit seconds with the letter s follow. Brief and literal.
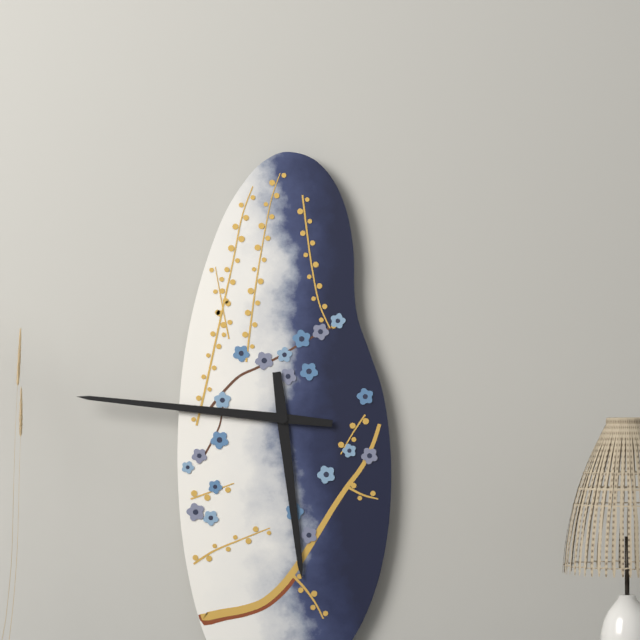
5h46
